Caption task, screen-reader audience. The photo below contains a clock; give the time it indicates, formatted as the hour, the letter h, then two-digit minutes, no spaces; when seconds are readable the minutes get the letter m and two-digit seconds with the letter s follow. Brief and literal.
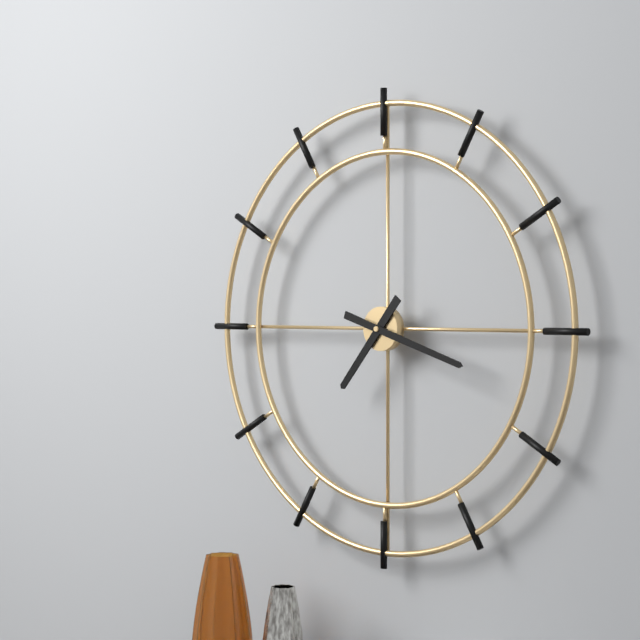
7h18
